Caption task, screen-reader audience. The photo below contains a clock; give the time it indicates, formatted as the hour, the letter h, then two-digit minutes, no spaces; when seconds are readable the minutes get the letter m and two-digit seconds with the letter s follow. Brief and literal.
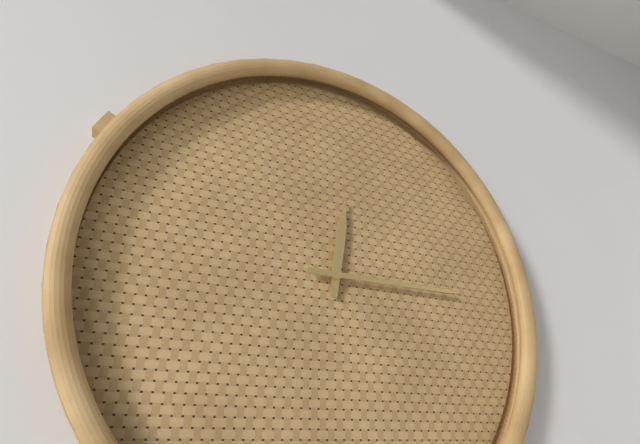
12h15
